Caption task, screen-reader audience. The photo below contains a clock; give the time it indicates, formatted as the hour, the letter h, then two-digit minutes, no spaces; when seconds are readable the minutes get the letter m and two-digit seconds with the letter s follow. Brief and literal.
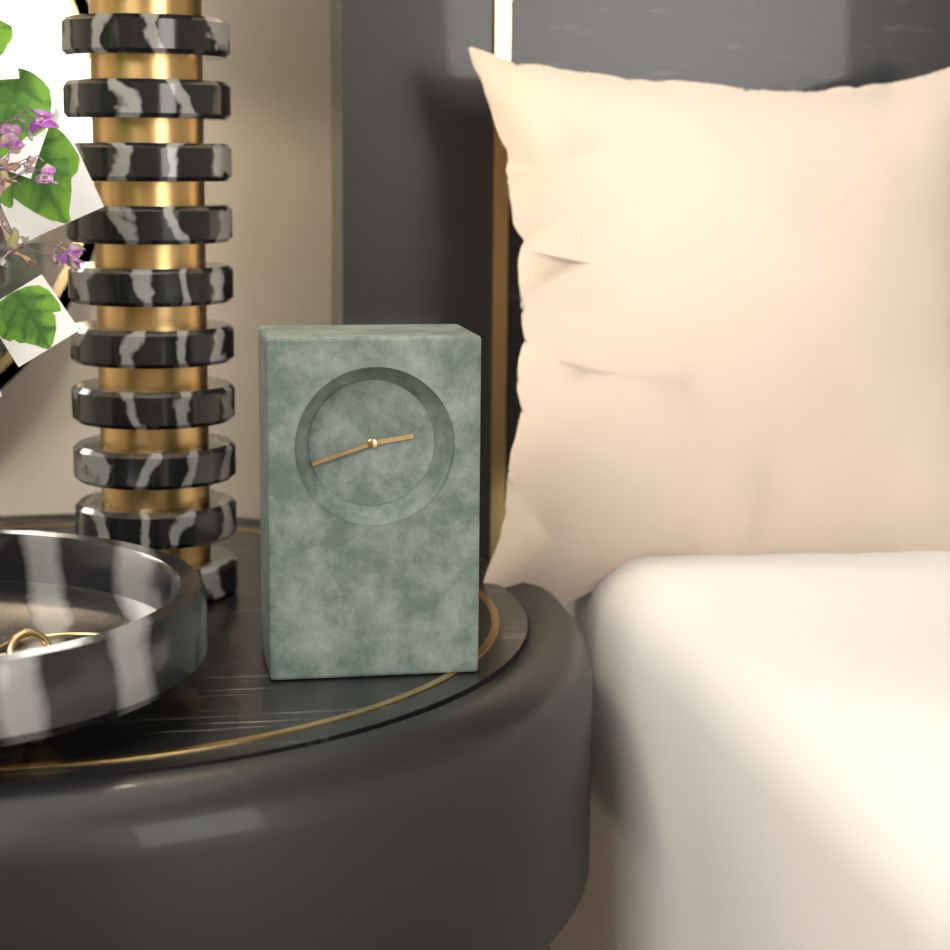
2h42
